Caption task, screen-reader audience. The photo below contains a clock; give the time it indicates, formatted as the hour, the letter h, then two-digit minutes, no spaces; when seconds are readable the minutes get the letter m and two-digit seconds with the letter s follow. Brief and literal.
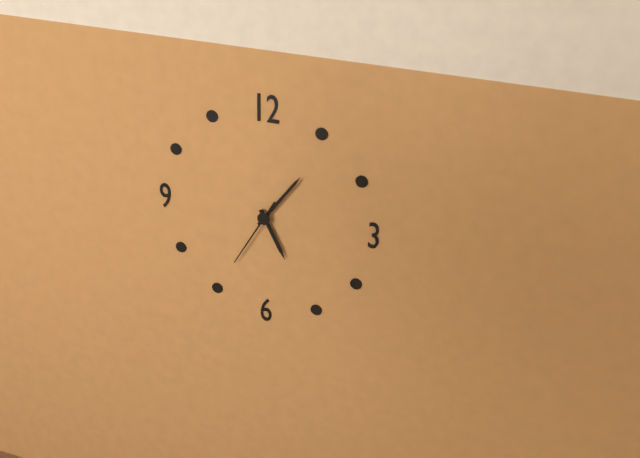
5h06m35s
